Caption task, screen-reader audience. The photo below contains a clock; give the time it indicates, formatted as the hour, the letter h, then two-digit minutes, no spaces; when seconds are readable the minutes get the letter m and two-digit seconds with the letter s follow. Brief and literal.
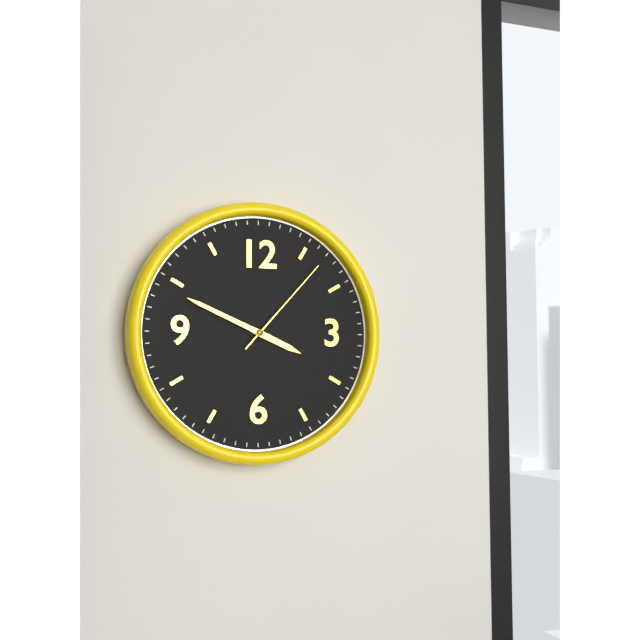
3h49m07s
